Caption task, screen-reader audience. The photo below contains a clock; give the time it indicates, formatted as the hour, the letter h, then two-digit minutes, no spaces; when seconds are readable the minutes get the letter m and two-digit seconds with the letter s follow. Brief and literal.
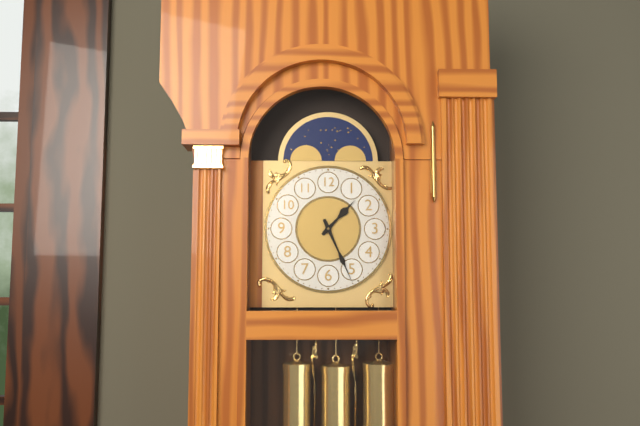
1h26
